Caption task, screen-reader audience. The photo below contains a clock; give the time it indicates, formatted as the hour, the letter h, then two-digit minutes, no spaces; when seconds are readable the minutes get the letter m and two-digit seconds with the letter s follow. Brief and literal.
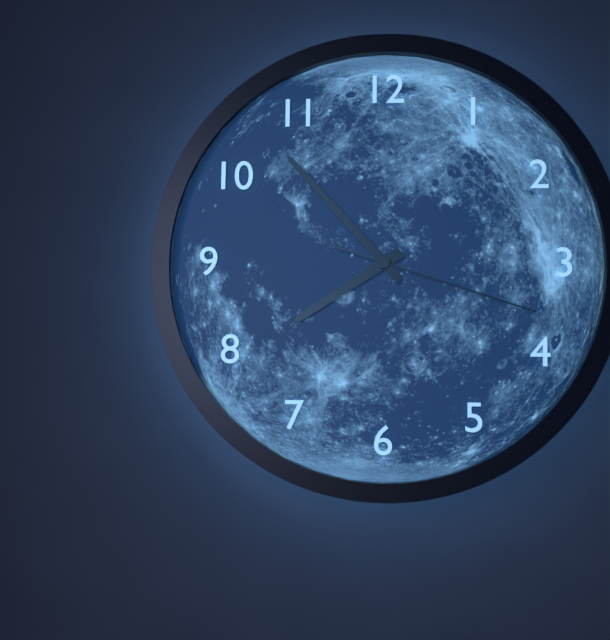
7h53m18s
